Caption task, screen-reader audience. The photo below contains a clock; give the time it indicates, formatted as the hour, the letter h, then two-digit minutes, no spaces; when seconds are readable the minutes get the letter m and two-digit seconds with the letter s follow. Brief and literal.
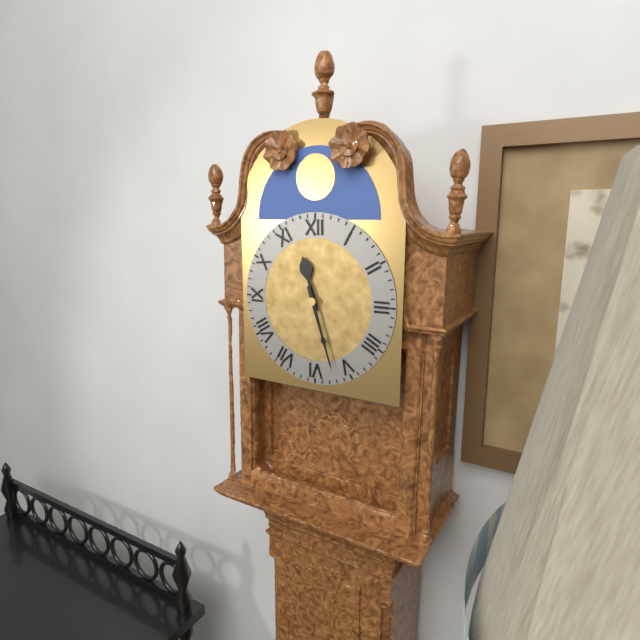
11h27
